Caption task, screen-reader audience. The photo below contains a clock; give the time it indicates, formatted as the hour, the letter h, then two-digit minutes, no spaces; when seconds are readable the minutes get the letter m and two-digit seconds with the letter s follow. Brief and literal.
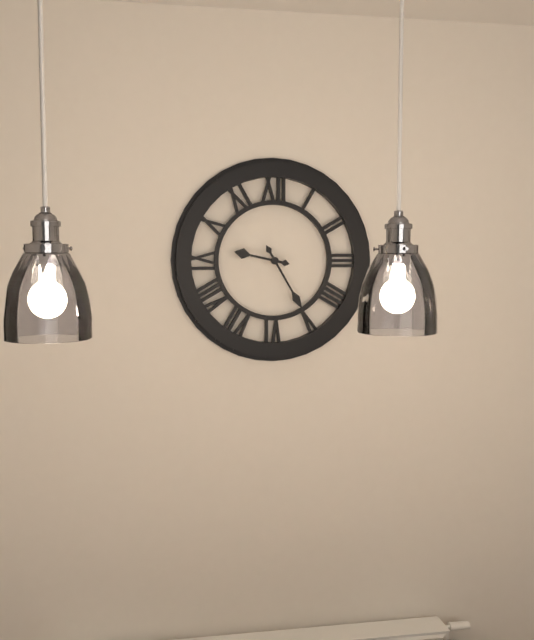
9h25
